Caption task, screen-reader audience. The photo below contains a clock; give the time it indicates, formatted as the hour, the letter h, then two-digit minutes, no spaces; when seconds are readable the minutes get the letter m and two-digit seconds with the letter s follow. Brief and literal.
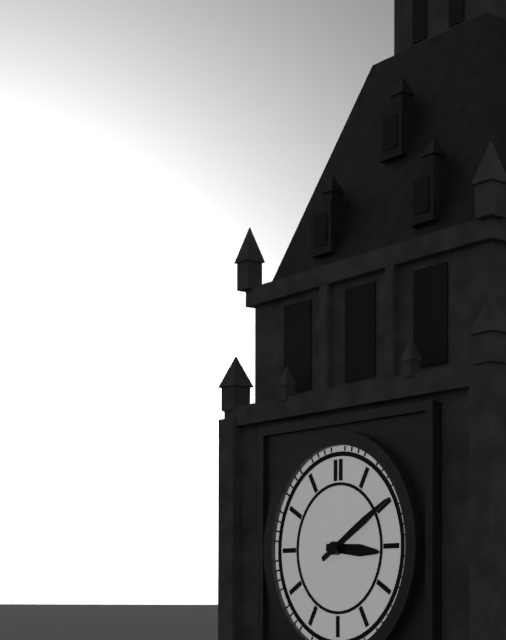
3h10
